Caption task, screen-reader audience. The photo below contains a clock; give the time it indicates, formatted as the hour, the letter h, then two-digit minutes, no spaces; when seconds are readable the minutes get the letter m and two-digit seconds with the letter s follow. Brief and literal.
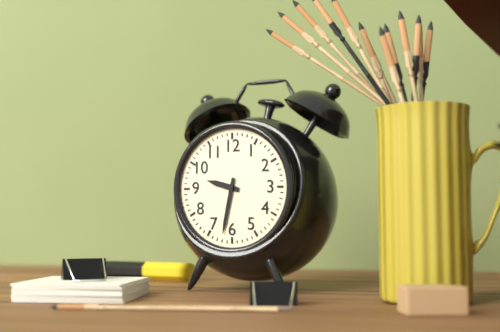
9h32
